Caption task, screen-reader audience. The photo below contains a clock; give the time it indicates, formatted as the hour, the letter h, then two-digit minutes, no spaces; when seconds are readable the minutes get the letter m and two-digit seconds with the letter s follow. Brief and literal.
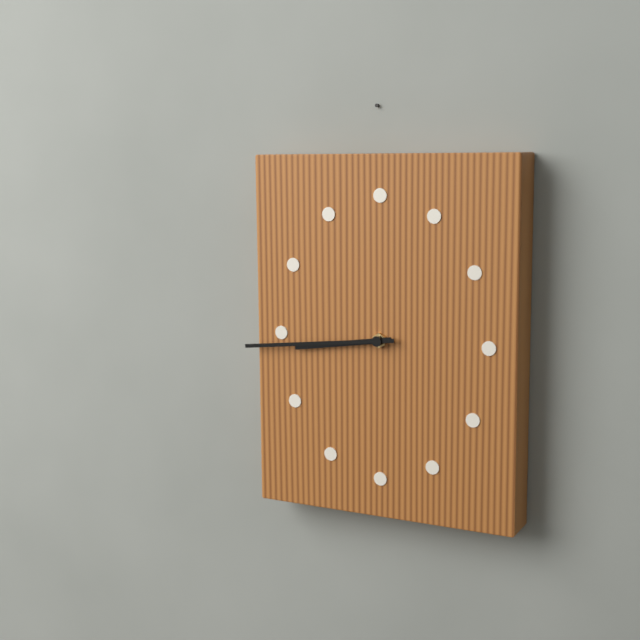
8h44
